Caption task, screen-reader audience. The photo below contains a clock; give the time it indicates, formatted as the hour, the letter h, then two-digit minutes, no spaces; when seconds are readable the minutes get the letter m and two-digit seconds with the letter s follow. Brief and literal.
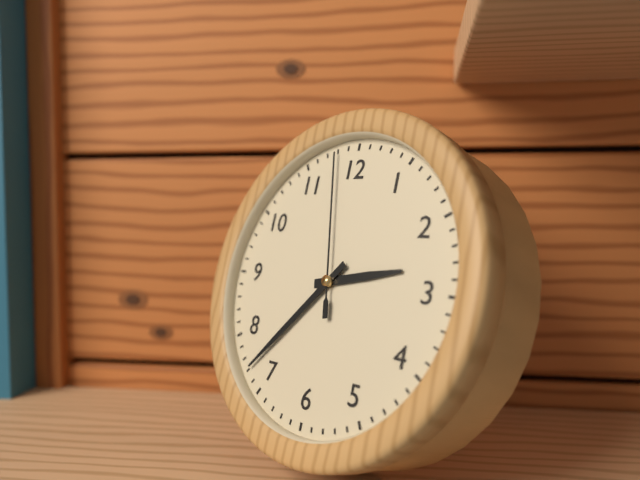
2h37m58s
